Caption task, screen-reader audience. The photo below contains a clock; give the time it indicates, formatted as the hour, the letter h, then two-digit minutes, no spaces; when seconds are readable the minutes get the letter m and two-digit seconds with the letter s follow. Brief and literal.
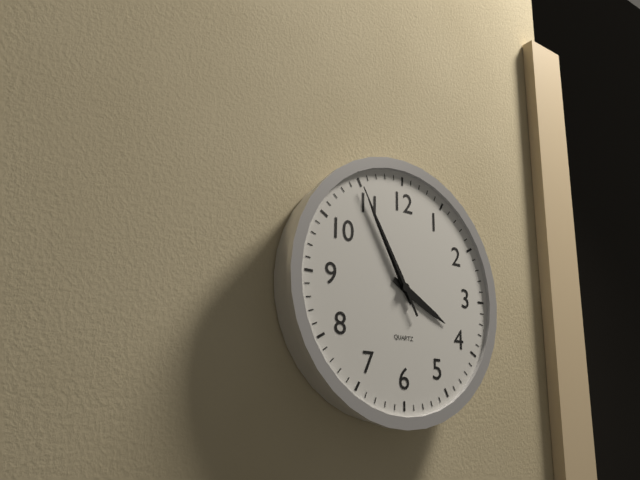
3h55m55s
